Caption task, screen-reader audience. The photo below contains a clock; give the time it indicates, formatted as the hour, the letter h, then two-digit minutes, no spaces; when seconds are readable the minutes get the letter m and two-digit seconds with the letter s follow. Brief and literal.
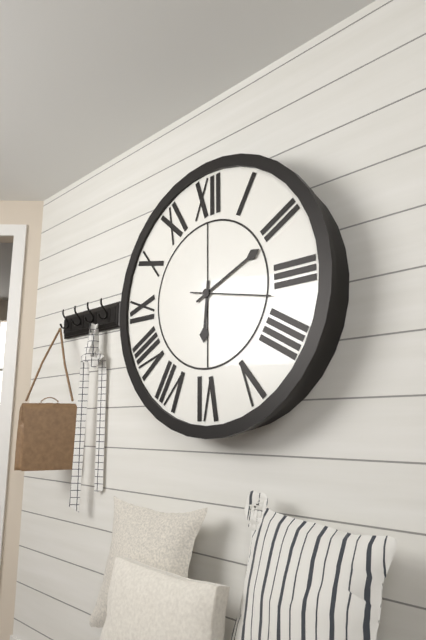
6h11m17s
